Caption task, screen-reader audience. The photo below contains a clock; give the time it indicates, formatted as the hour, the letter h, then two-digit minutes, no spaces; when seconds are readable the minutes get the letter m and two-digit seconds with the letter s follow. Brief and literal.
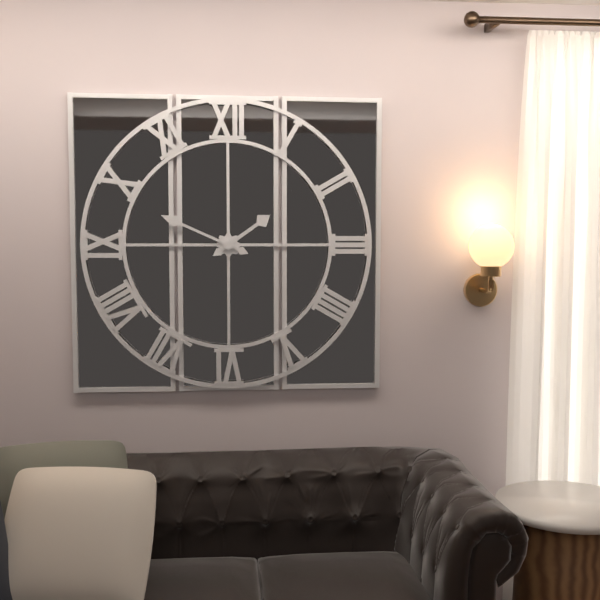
1h49
